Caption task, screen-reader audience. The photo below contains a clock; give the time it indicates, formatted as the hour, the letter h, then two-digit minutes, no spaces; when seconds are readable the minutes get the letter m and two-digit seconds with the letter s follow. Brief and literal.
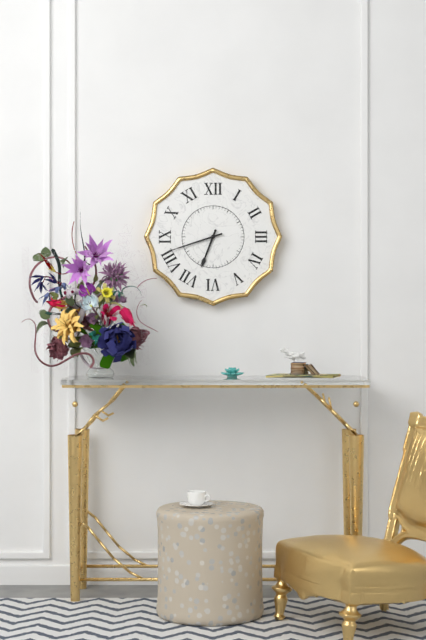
6h42
